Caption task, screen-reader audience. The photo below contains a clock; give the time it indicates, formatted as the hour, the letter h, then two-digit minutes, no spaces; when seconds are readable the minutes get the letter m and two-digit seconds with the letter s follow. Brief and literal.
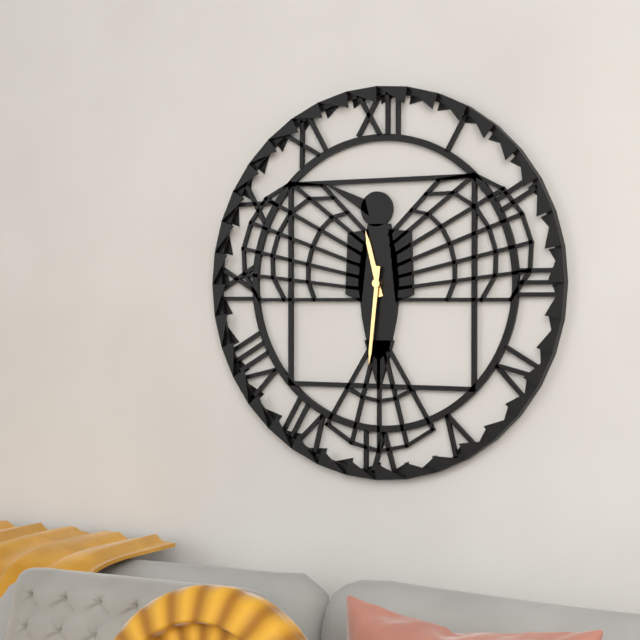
11h31
